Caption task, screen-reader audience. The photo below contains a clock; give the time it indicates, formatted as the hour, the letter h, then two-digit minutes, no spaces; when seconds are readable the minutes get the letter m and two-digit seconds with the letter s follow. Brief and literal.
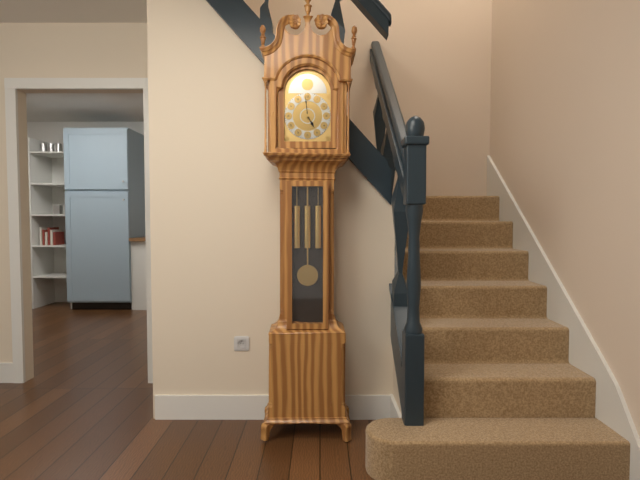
4h59
